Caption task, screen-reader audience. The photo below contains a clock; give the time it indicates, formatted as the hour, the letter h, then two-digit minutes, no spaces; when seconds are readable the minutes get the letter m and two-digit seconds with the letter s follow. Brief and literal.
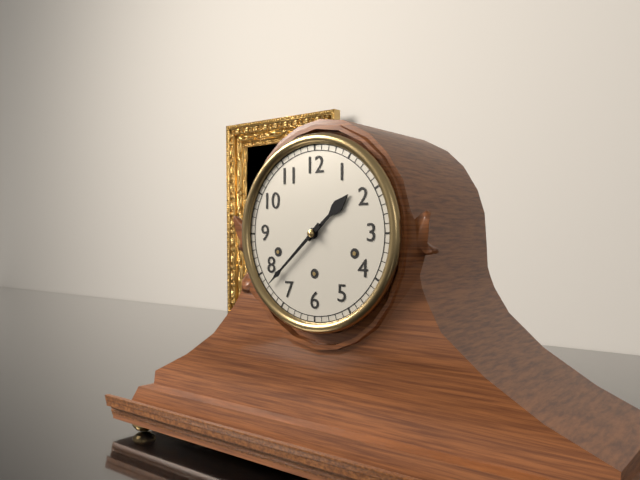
1h38
